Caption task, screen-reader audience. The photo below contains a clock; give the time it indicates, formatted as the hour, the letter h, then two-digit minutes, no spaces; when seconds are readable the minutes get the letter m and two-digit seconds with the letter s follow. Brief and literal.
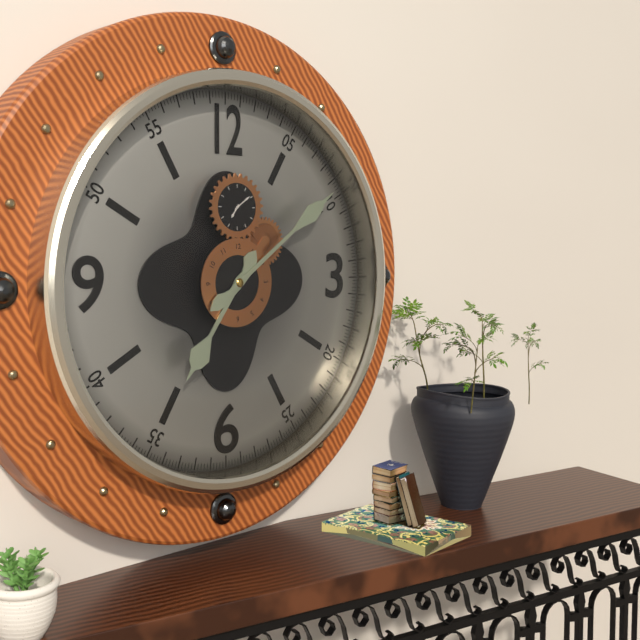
7h09
